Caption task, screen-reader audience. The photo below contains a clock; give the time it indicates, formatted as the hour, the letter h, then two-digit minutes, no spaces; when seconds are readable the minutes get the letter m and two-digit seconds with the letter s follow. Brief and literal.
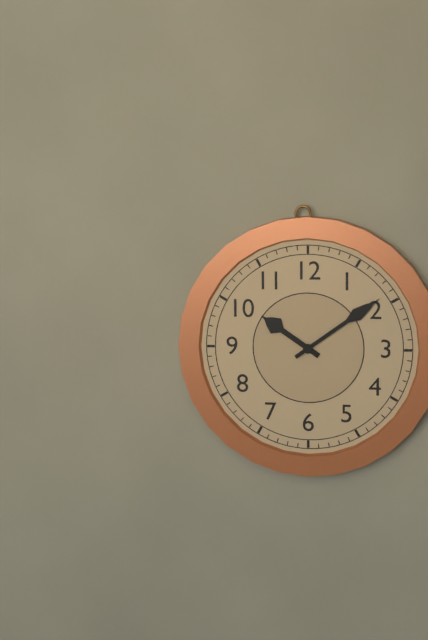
10h09
